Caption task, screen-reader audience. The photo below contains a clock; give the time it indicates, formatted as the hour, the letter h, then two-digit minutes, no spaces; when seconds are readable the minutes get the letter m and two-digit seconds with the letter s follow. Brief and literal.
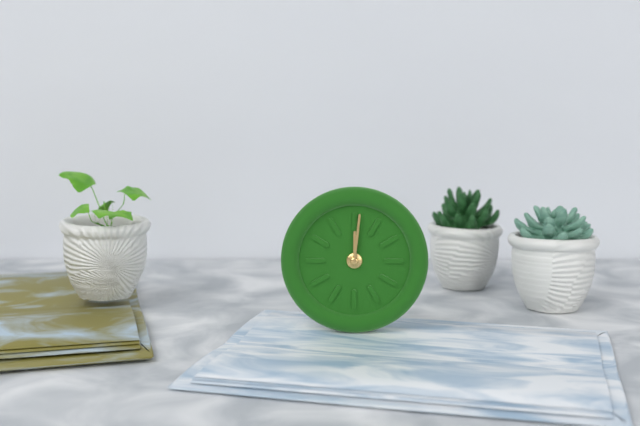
12h01
